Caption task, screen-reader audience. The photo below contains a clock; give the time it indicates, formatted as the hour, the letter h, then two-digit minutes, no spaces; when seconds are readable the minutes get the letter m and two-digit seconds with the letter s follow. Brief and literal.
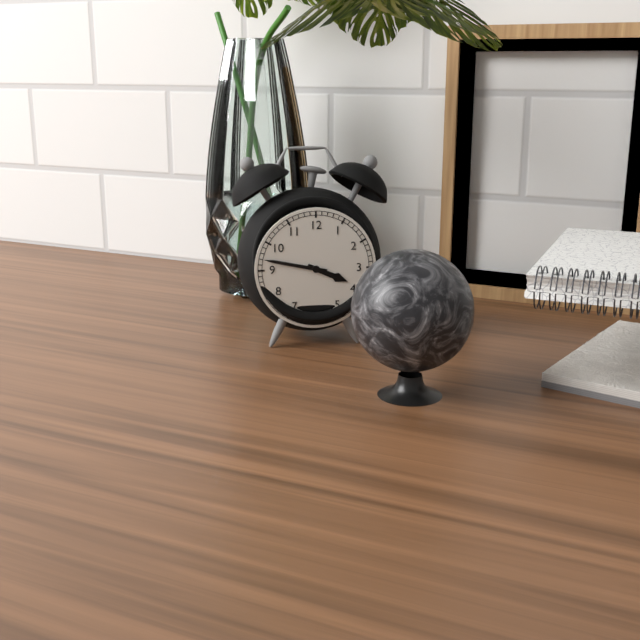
3h47
